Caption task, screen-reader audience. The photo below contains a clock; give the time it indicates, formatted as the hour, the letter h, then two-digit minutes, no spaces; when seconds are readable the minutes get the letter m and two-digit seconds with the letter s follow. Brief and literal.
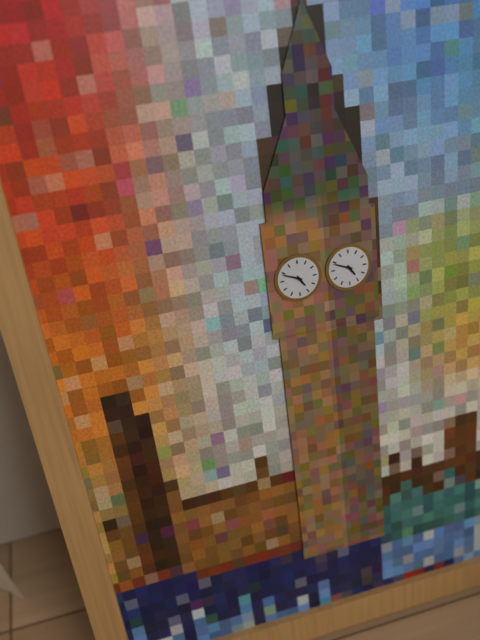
4h49
